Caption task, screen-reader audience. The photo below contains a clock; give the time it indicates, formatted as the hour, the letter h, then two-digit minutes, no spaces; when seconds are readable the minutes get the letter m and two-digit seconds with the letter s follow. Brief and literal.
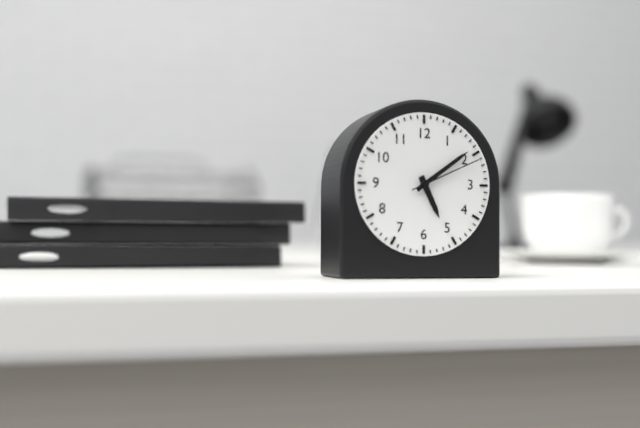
5h09m11s
